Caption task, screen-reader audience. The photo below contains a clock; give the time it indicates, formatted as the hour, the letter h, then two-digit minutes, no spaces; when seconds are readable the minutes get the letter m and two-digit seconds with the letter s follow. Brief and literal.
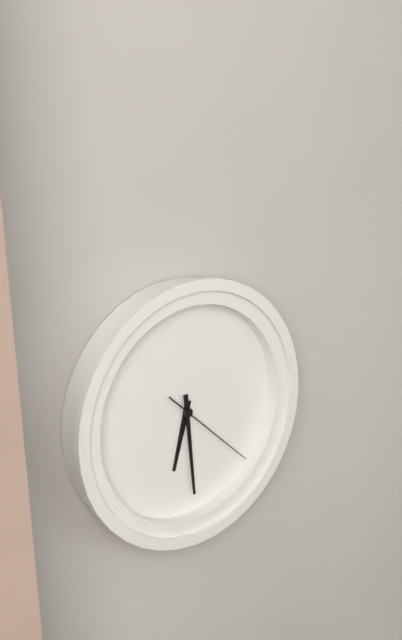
6h29m22s
